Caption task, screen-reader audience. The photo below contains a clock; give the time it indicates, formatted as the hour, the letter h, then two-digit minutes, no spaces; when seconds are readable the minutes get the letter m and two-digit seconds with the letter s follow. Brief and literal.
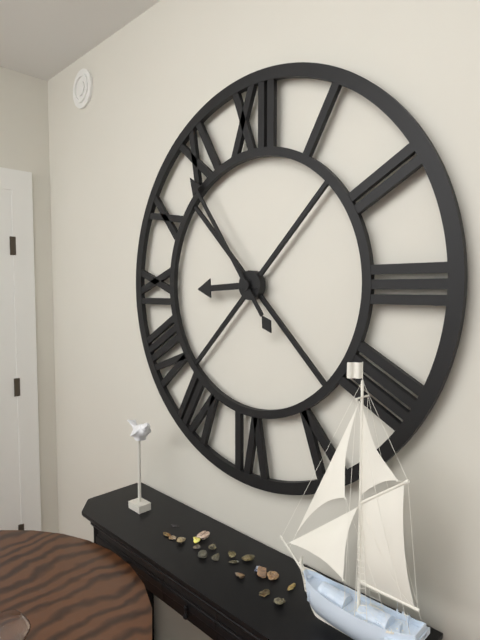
8h54
